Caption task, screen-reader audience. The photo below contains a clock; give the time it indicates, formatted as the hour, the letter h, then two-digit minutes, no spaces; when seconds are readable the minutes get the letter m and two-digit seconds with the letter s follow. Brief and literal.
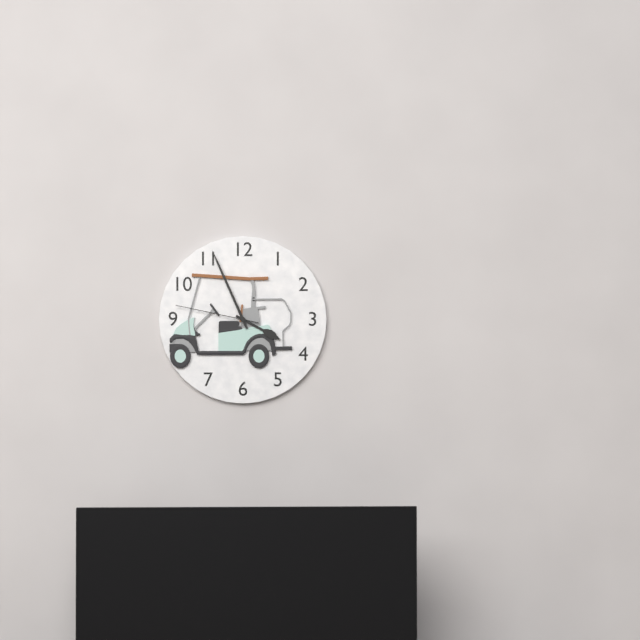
3h56m47s
